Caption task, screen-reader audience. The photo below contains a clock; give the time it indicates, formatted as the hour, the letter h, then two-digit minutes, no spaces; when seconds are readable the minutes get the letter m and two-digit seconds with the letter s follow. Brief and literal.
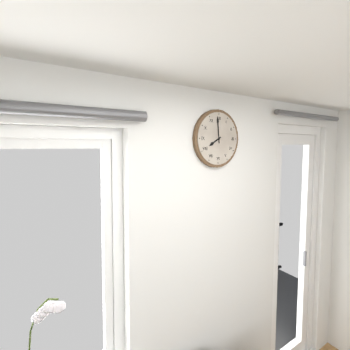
7h59
